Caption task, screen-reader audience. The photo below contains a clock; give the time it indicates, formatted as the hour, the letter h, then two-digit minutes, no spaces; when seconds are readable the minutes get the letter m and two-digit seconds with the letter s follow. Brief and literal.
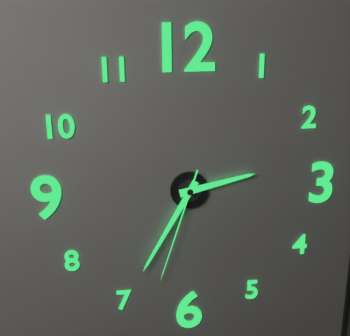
2h35m33s
